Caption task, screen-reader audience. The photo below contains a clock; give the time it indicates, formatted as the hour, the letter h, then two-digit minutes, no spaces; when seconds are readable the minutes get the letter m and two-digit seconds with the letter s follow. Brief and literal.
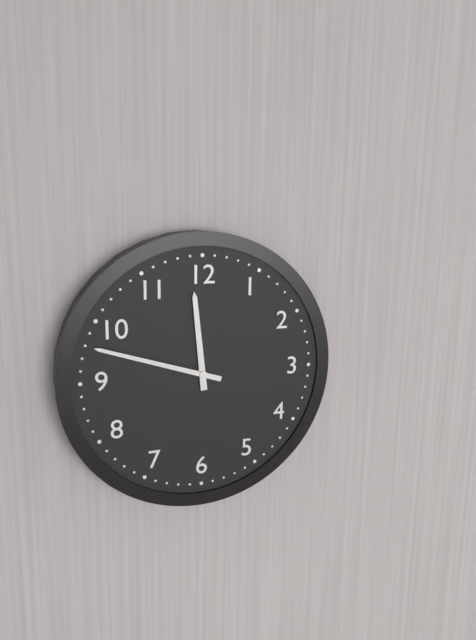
11h48
